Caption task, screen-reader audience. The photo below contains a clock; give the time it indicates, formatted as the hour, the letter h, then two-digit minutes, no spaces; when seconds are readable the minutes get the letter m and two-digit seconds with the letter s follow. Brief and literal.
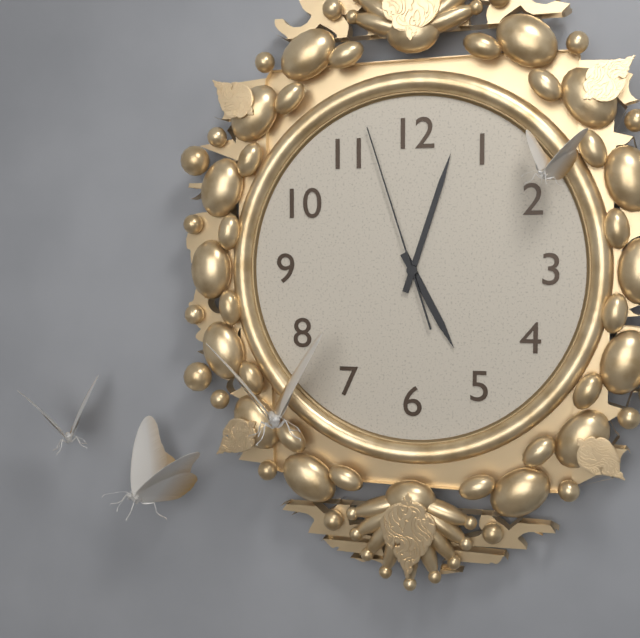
5h03m57s
